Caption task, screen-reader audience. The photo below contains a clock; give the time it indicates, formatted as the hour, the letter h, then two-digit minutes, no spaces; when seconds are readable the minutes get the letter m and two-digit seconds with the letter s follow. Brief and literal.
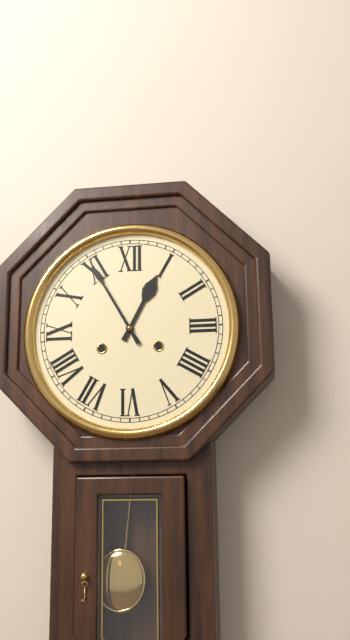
12h55
